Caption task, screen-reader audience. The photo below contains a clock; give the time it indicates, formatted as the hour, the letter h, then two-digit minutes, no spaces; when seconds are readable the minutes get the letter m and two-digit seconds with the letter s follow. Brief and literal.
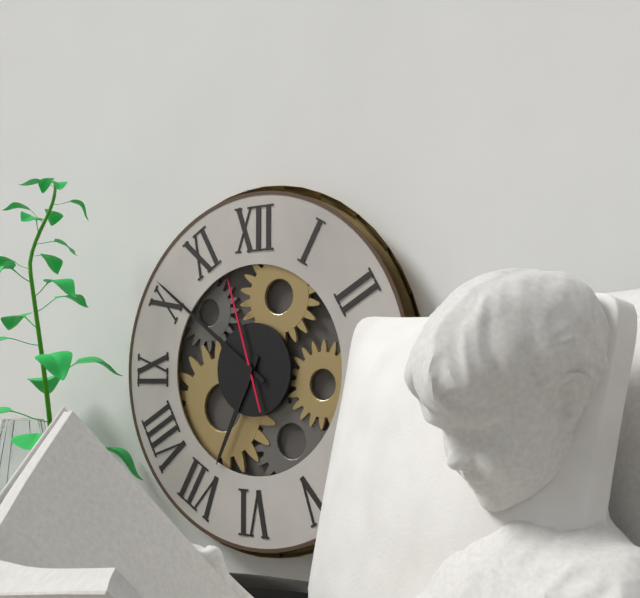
6h51m57s
